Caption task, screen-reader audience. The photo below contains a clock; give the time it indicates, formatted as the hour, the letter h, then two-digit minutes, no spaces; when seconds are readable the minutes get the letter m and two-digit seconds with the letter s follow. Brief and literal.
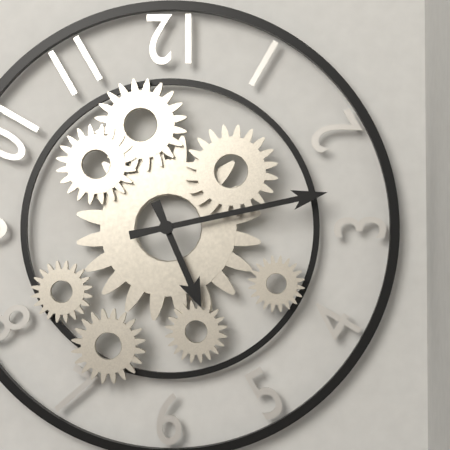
5h13
